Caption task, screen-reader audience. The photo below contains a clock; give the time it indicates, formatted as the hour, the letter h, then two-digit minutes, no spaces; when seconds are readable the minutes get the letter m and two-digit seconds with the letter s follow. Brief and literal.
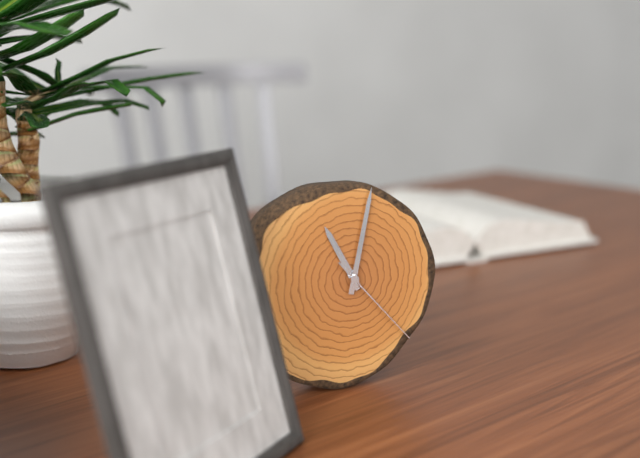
11h02m23s
